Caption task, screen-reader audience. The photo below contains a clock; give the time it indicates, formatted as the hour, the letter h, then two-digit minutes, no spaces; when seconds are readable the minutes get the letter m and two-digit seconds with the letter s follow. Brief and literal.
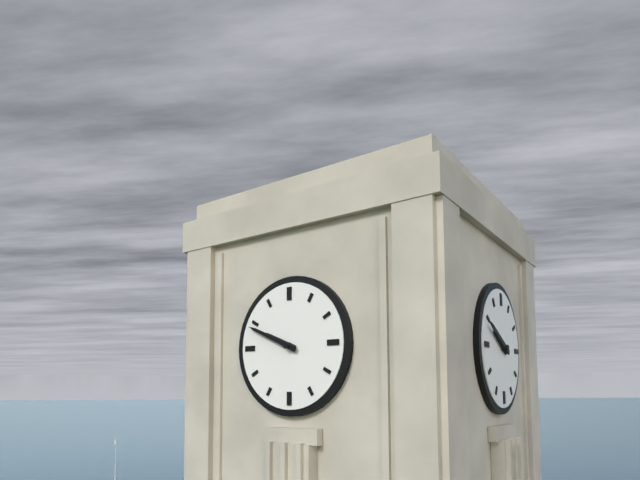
9h49
